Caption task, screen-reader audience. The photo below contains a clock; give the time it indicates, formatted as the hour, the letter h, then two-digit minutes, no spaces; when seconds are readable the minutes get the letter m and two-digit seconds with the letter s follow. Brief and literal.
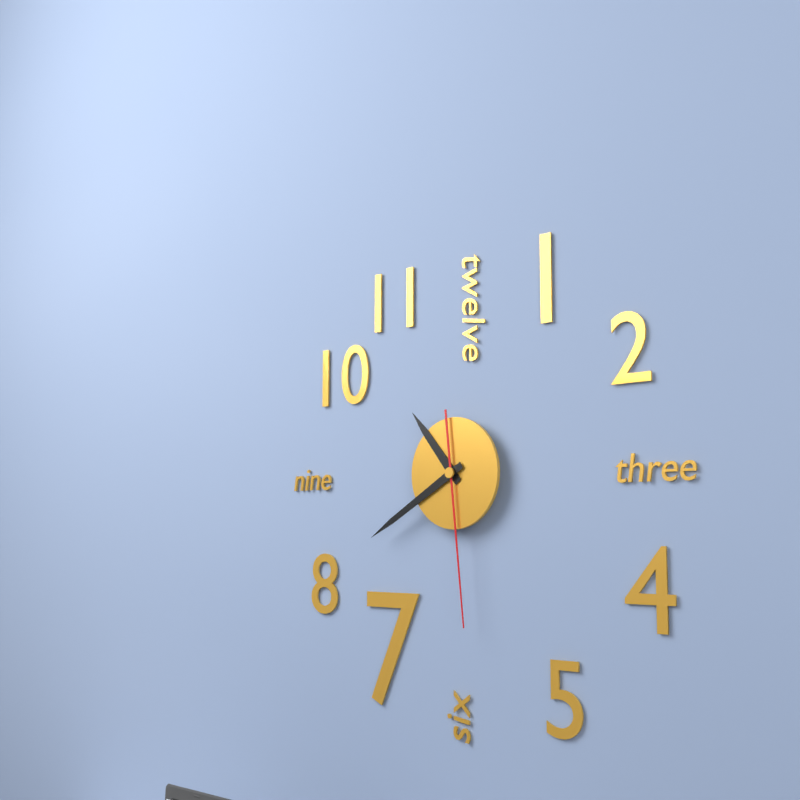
10h40m29s
